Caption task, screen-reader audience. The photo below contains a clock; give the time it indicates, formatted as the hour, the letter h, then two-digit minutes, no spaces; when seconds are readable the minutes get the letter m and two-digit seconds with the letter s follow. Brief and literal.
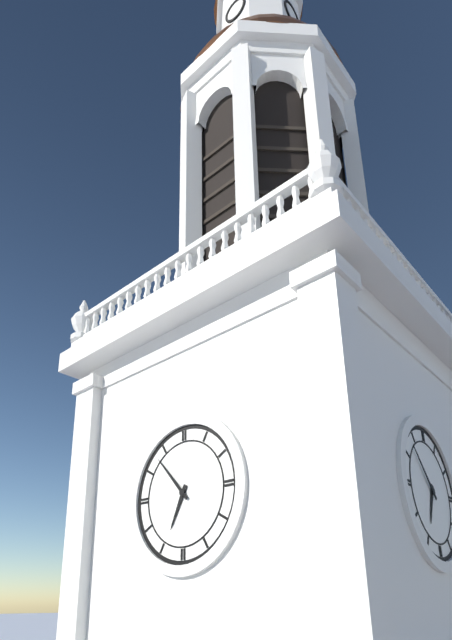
6h53
